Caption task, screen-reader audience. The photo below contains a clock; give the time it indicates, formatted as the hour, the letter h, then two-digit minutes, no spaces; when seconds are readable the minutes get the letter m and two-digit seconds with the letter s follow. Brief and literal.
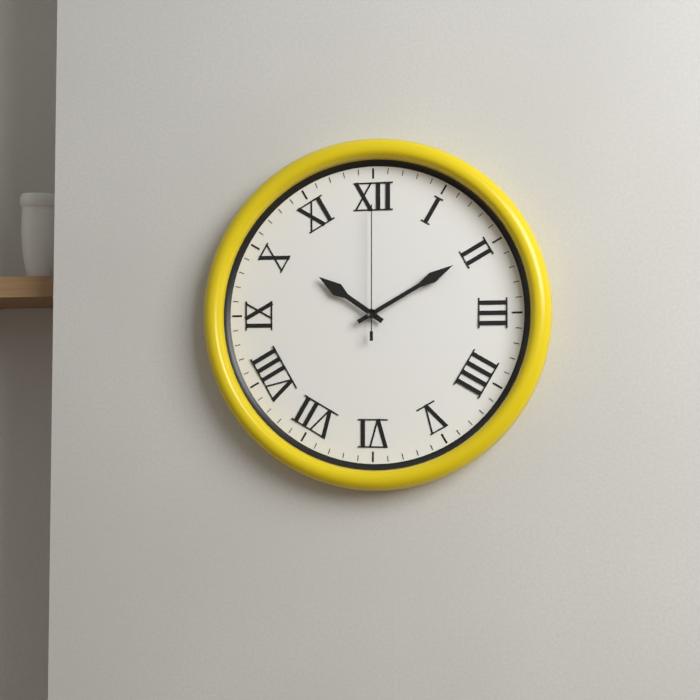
10h10m00s
